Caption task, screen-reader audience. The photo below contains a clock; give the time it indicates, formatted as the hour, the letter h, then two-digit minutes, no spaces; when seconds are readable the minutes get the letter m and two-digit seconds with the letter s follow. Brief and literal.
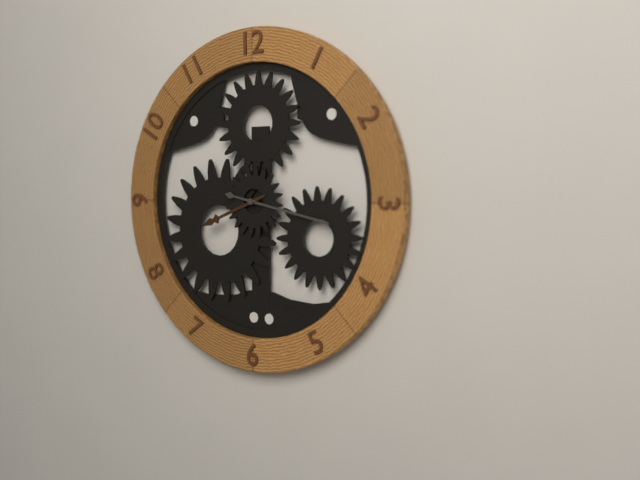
8h17
